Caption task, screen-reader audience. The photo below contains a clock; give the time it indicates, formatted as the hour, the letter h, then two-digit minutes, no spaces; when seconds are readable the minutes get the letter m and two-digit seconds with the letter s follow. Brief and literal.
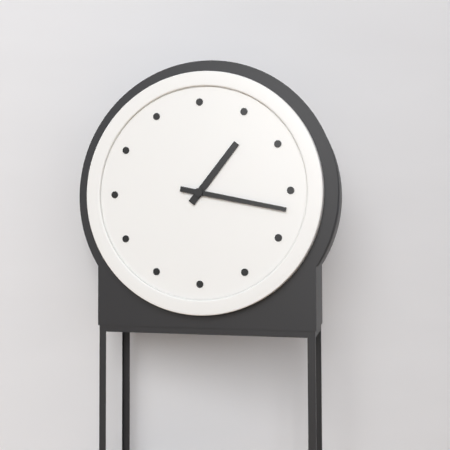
1h17
